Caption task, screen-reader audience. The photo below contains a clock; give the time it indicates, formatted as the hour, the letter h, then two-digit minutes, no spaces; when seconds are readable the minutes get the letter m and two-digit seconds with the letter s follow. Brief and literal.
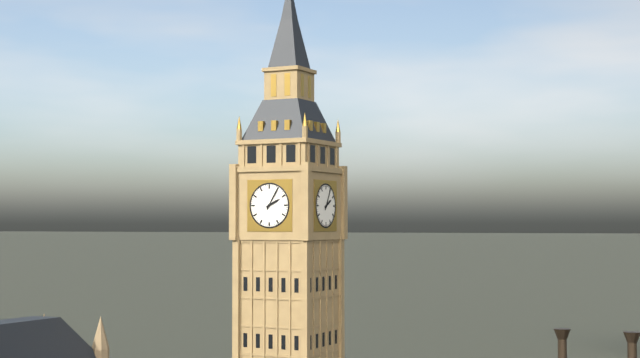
2h05
